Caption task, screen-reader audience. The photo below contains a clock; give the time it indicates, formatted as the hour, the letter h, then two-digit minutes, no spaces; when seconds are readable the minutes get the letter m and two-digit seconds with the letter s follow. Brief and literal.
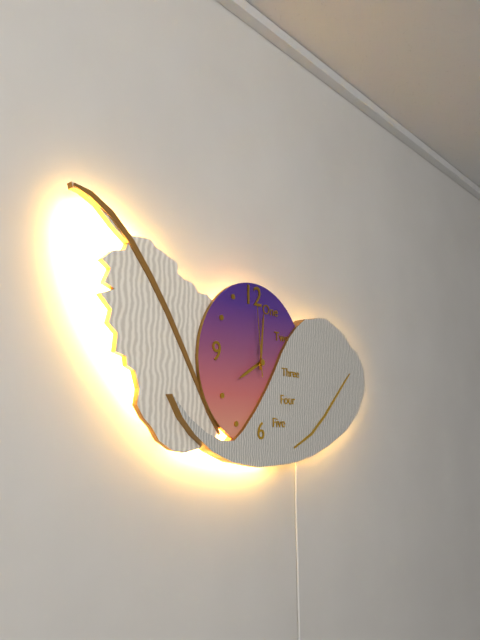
8h01m59s
